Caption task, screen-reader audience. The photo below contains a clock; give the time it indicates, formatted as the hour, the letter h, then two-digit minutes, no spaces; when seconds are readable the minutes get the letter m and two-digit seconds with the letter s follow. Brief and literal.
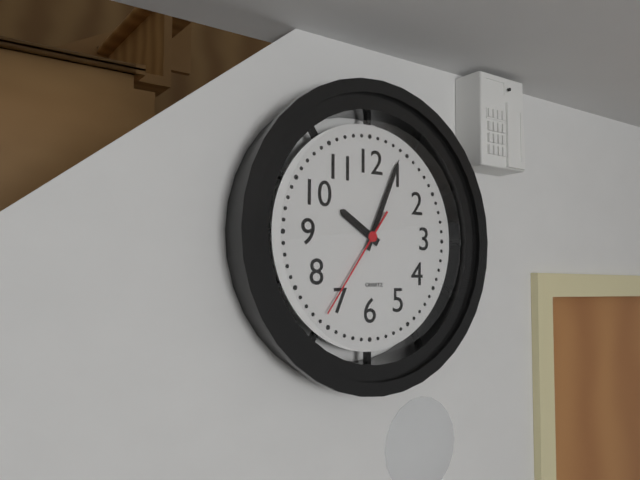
10h04m36s
